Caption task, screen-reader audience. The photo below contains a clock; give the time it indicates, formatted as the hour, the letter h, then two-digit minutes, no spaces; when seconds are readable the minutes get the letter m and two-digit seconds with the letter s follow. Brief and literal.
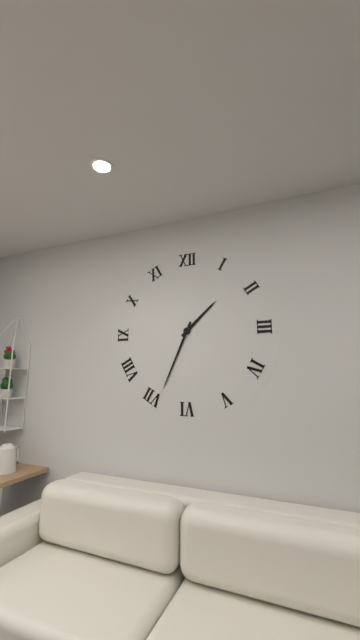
1h34
